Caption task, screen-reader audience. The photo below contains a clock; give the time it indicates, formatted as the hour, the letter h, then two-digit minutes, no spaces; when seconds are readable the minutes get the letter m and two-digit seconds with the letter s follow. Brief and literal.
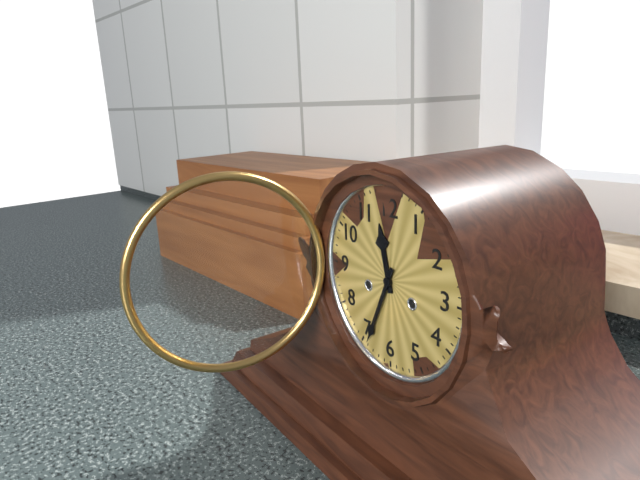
11h34
